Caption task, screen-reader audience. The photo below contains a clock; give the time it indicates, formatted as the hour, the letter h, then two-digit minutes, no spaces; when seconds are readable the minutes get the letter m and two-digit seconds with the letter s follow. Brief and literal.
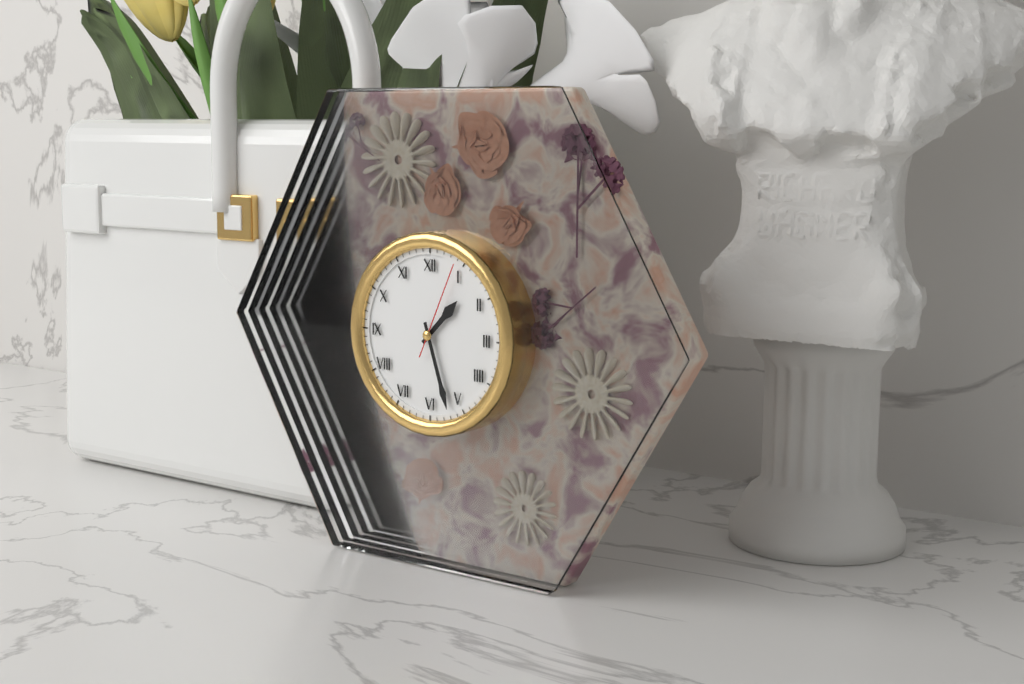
1h27m04s
